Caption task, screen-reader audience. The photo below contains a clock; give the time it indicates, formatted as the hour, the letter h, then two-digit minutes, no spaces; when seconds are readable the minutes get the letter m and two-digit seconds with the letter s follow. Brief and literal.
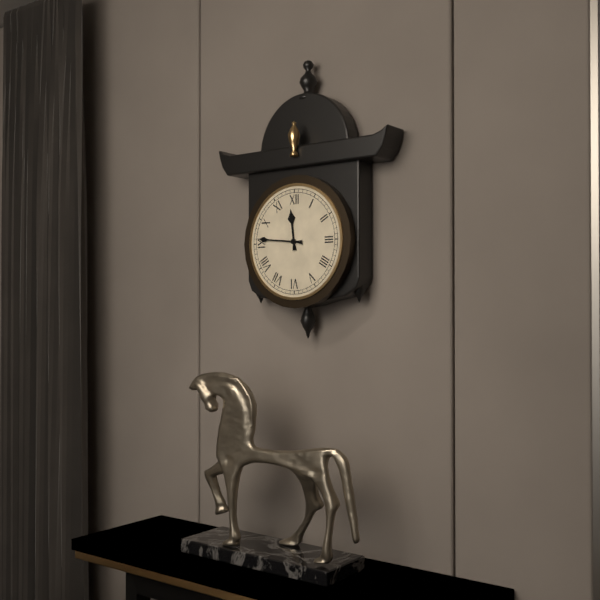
11h46
